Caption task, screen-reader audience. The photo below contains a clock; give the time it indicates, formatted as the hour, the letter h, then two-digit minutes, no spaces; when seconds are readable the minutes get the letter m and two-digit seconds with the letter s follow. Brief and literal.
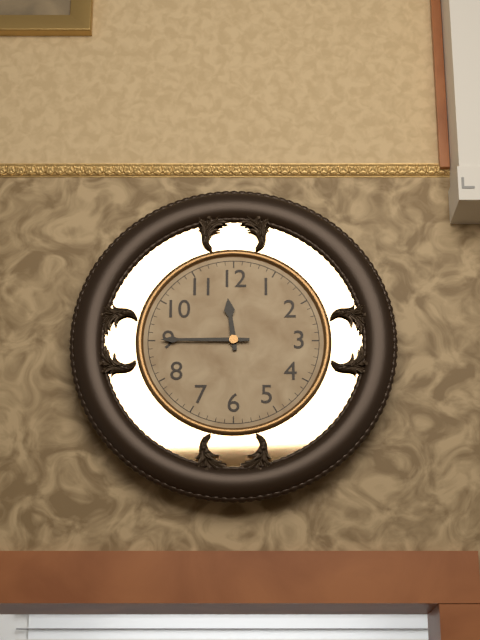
11h45
